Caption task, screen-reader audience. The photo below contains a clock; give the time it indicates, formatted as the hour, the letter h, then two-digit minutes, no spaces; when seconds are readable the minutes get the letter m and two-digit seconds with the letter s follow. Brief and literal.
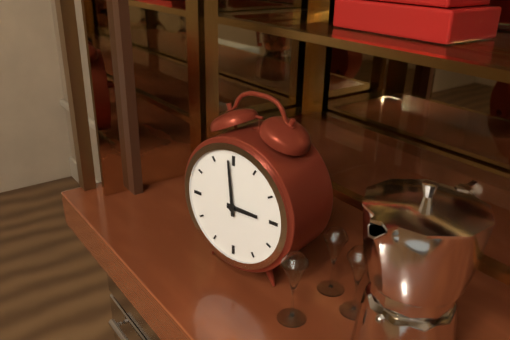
2h59
